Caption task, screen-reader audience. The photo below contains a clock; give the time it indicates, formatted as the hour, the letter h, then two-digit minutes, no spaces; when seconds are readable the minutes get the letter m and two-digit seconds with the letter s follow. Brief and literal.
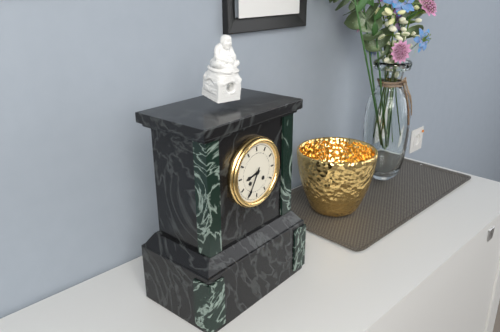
8h35
